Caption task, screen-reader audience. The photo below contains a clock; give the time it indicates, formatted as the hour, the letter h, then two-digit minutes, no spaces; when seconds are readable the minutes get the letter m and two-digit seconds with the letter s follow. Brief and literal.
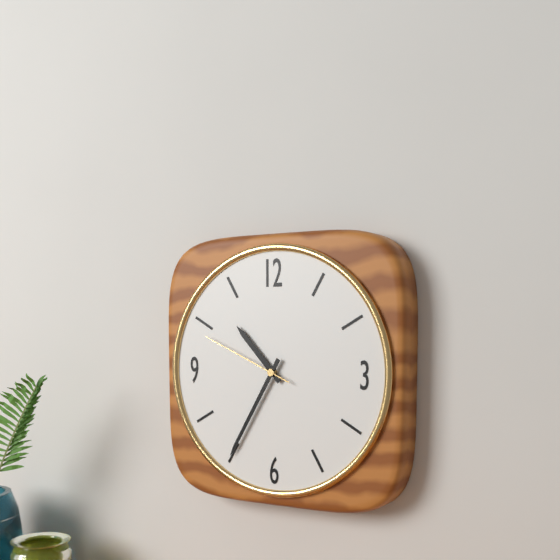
10h35m49s
